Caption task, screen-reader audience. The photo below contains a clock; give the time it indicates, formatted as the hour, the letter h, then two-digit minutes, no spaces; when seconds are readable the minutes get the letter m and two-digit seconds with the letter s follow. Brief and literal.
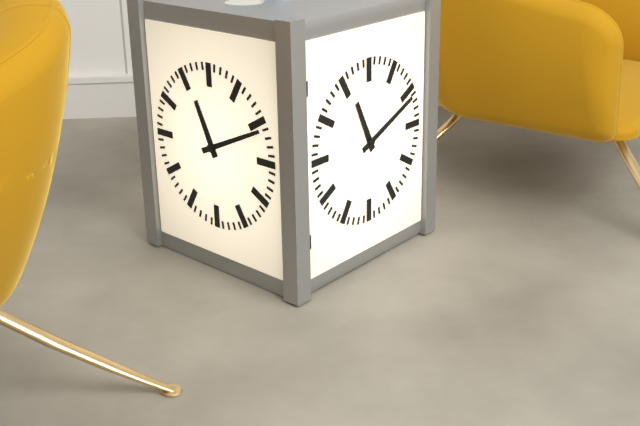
11h11
